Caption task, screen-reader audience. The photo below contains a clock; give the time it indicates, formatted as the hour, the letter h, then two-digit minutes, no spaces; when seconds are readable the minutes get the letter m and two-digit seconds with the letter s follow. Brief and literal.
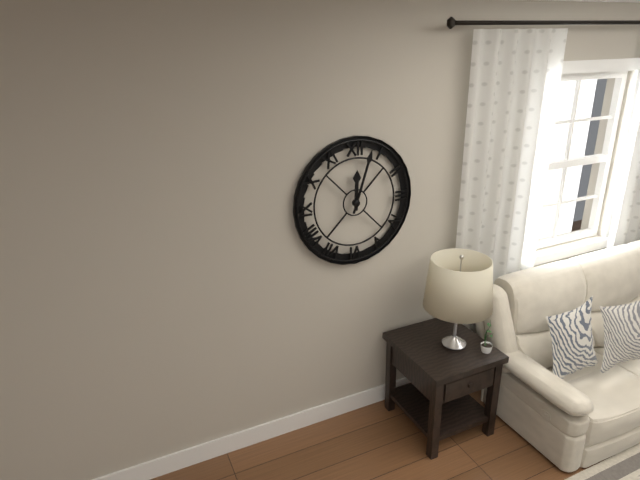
12h03
